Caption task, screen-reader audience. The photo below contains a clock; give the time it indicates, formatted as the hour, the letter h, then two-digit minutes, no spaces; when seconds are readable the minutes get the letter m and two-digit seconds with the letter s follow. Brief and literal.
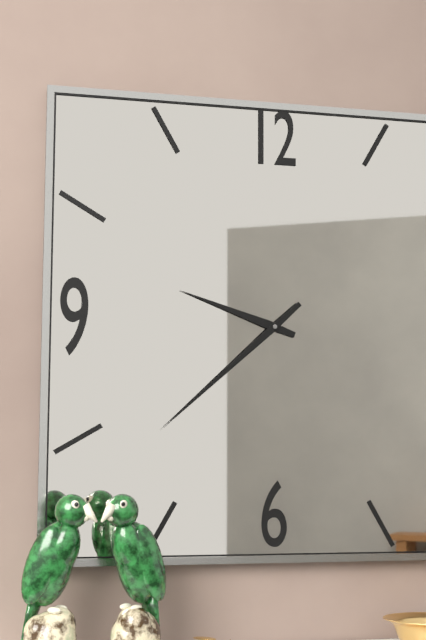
9h38
